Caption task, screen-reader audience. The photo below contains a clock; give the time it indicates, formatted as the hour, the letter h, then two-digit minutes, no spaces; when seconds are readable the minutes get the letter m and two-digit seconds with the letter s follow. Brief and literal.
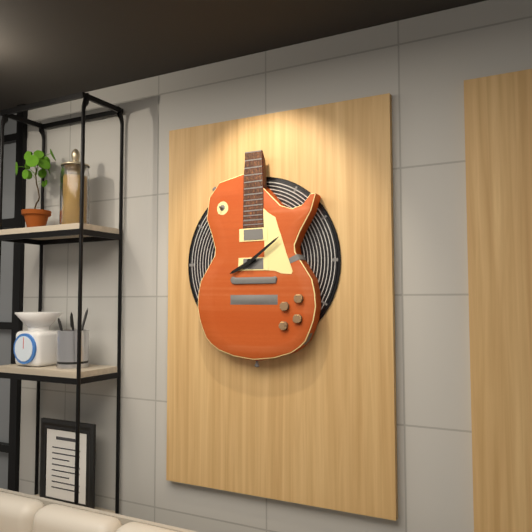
8h09
